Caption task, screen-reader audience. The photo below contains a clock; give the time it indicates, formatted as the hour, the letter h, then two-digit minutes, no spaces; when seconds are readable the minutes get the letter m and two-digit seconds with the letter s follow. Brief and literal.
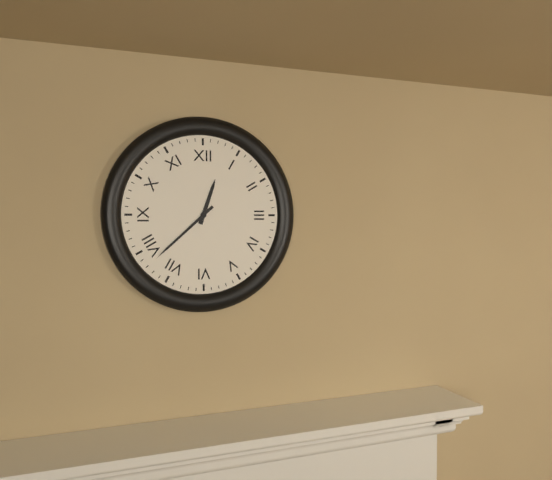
12h38
